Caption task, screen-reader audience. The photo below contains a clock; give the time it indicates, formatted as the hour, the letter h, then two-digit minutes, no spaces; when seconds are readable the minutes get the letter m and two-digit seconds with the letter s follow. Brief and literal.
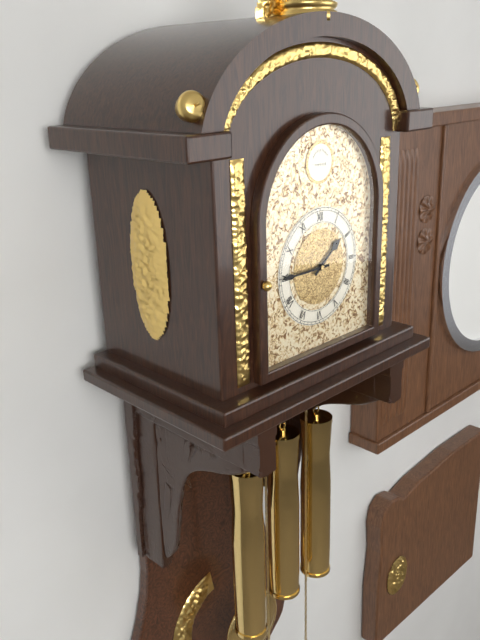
1h45
